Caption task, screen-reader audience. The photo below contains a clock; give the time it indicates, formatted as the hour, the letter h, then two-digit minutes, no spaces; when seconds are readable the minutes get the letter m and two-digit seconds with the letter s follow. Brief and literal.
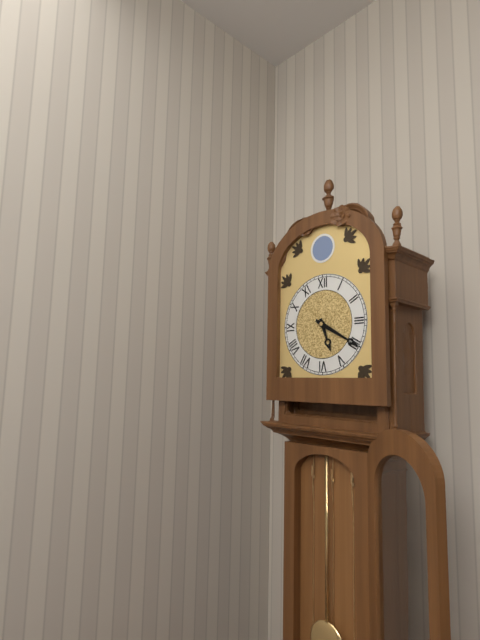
5h20
